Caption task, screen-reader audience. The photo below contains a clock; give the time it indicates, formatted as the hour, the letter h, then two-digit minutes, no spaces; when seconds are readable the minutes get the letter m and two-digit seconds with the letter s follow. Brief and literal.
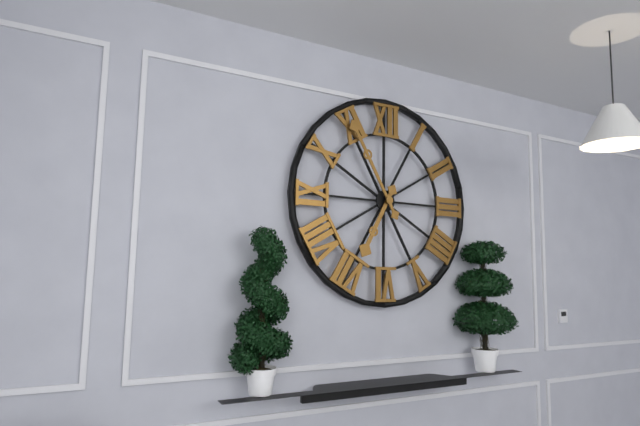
6h55
